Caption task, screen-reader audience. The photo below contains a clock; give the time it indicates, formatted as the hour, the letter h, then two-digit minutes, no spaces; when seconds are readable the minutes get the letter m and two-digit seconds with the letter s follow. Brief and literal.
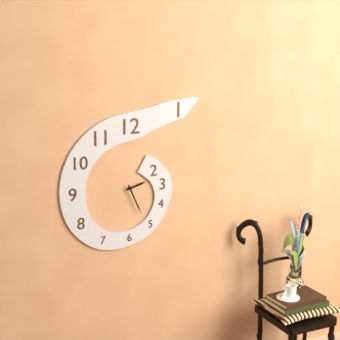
2h26
